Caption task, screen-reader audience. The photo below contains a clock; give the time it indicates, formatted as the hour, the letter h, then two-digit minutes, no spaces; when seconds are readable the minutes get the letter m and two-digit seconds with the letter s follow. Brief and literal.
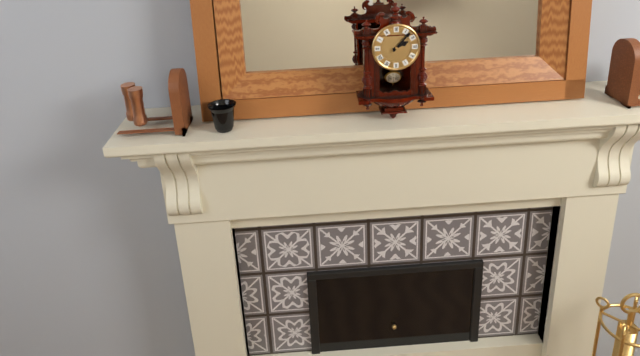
2h07
